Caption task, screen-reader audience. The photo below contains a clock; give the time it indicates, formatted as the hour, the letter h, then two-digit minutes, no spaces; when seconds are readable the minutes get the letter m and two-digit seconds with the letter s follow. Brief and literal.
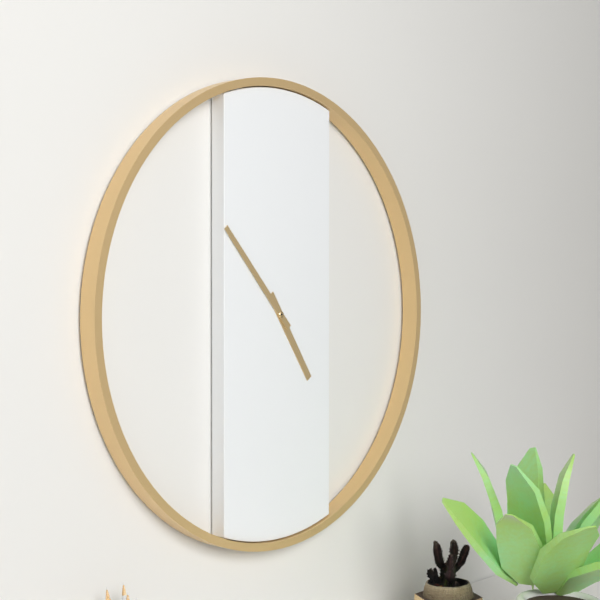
4h53
